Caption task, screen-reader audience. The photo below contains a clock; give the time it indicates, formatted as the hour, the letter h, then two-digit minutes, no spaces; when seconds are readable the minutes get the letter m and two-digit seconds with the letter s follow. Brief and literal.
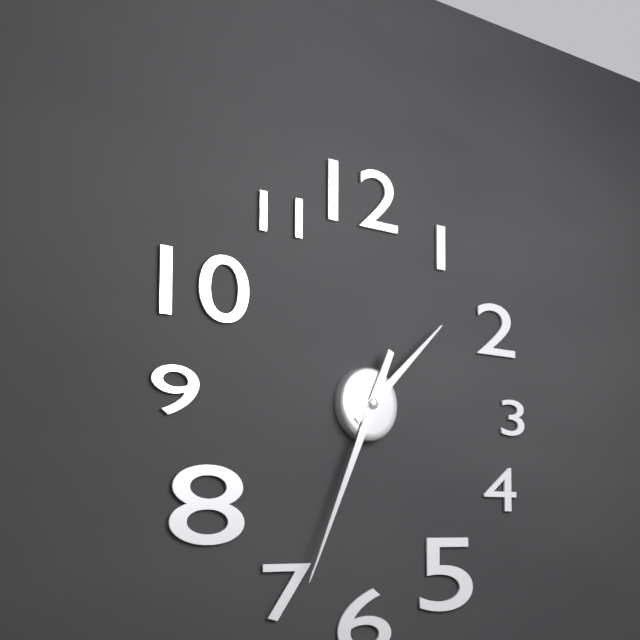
1h34
